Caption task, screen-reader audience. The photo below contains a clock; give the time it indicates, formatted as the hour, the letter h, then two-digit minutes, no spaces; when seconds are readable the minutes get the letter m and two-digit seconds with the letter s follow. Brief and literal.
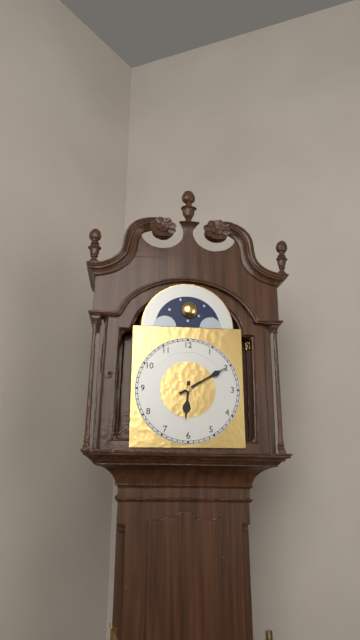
6h10
